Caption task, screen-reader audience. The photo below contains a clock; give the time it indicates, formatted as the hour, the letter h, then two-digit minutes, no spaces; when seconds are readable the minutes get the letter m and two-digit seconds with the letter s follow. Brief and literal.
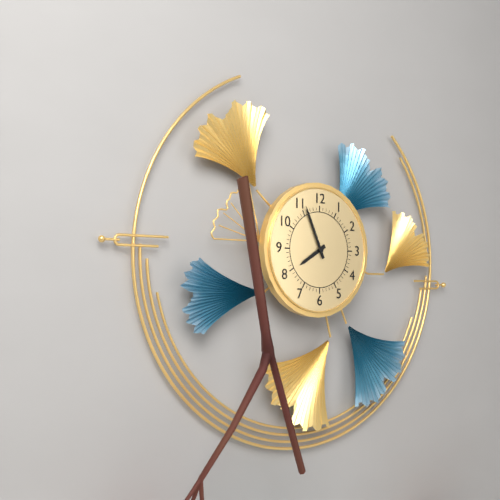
7h56
